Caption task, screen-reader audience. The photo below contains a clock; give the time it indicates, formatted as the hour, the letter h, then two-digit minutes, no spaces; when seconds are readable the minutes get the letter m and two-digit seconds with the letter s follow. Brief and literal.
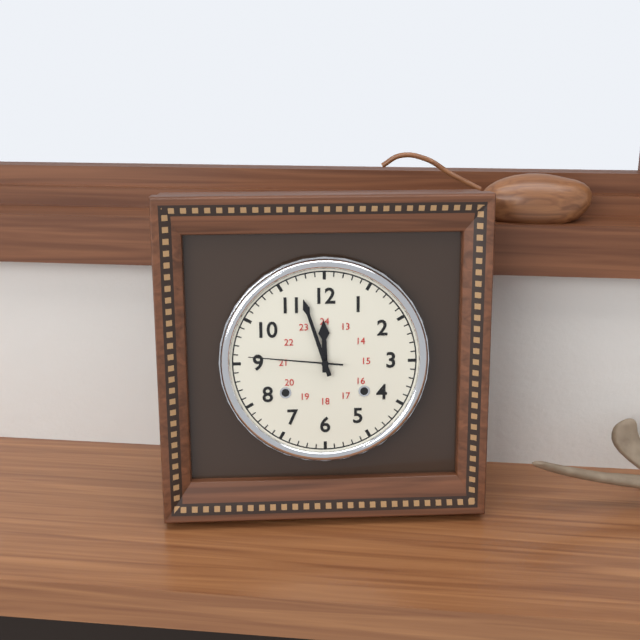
11h57m46s
